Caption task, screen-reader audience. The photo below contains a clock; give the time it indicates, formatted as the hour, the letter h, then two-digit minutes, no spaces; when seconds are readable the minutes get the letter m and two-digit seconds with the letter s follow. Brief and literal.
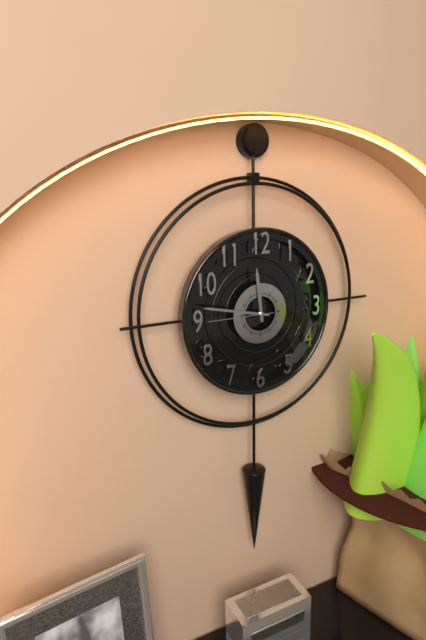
11h47m45s
